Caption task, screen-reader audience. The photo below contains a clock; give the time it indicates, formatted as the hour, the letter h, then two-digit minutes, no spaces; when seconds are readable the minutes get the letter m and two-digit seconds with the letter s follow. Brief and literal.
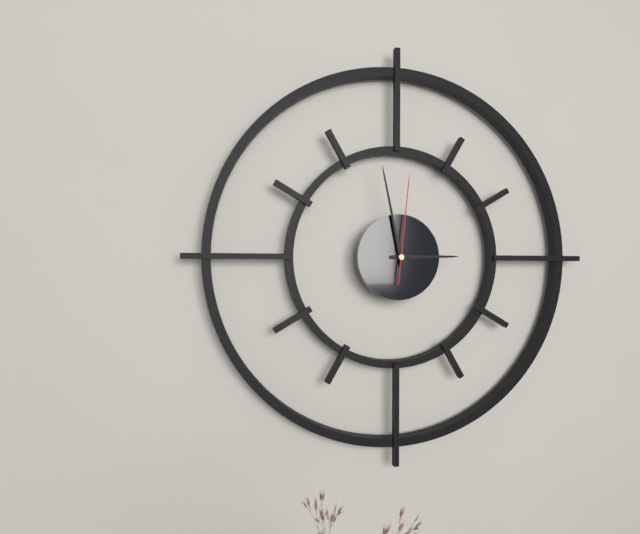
2h58m01s
